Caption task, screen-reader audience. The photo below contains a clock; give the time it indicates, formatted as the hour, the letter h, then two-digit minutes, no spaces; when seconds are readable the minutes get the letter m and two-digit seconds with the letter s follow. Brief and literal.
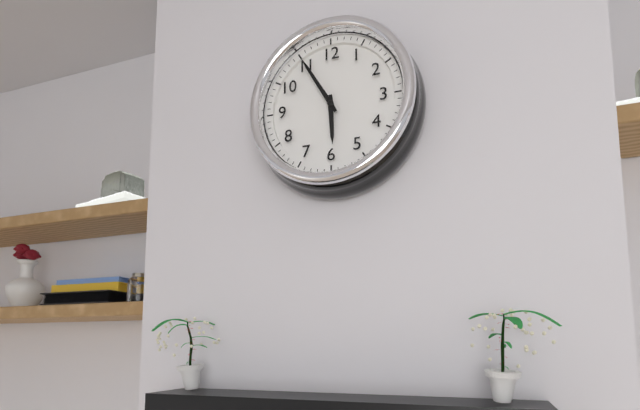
5h55
